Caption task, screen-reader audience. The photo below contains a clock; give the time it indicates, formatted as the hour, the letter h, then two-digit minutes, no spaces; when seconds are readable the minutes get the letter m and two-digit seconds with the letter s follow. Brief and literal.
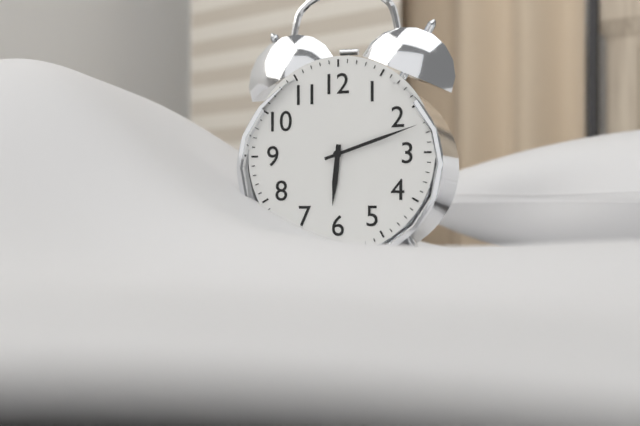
6h12
